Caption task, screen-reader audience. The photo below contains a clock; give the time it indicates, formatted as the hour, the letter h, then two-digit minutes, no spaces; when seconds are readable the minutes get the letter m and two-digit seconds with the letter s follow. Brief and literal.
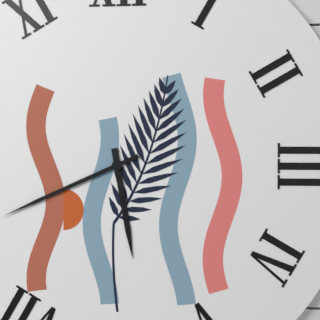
5h41
